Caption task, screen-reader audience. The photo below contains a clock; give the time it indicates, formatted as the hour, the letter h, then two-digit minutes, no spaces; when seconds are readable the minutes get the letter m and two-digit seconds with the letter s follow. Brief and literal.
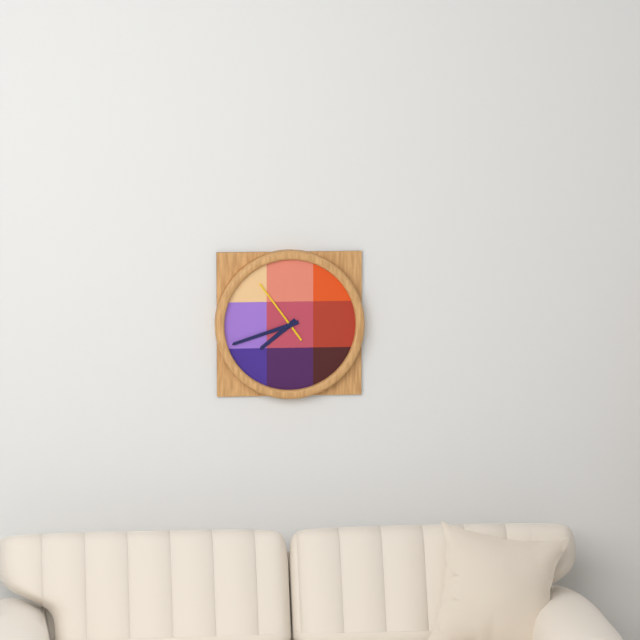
7h42m54s
